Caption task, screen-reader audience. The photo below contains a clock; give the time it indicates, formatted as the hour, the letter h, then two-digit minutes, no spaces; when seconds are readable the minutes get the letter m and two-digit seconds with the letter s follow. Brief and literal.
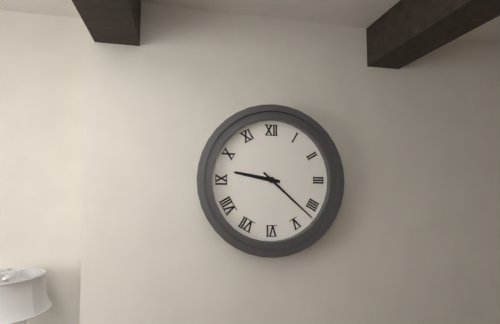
9h22
